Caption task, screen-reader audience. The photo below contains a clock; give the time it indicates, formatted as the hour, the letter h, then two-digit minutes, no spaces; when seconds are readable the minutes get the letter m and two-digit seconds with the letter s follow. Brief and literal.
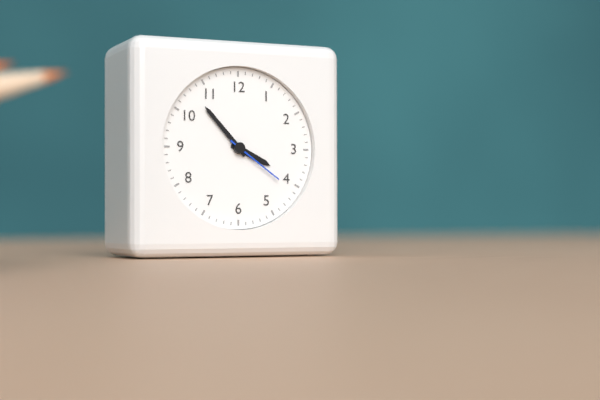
3h53m21s
